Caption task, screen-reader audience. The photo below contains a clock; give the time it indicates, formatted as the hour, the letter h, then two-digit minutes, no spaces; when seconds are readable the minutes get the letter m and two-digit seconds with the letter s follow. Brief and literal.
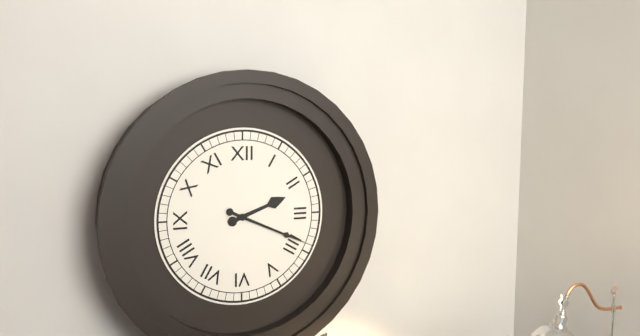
2h19
